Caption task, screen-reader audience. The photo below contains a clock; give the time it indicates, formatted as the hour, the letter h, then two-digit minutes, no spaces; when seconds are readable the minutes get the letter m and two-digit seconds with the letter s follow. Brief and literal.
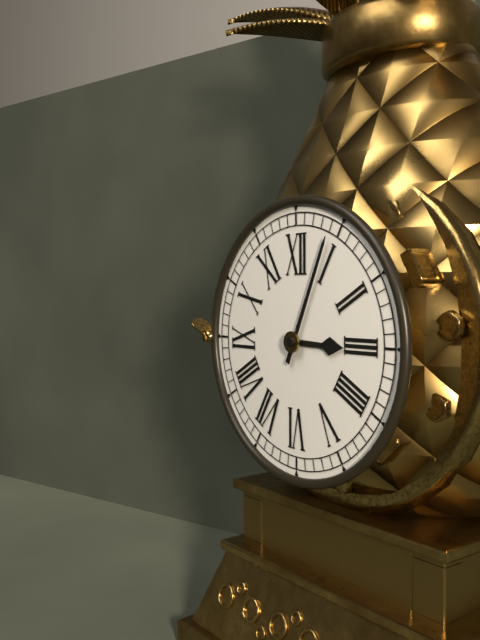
3h04
